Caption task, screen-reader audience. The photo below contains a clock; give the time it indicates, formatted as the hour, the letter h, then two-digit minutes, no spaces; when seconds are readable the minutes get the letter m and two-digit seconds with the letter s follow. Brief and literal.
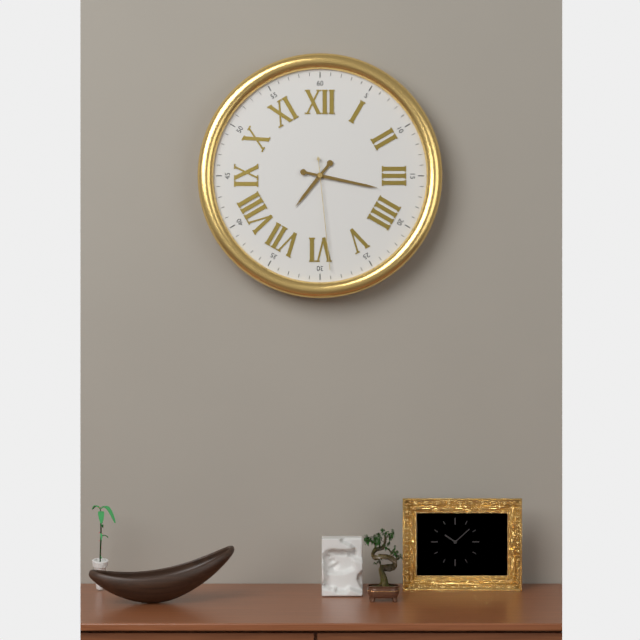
7h17m29s
